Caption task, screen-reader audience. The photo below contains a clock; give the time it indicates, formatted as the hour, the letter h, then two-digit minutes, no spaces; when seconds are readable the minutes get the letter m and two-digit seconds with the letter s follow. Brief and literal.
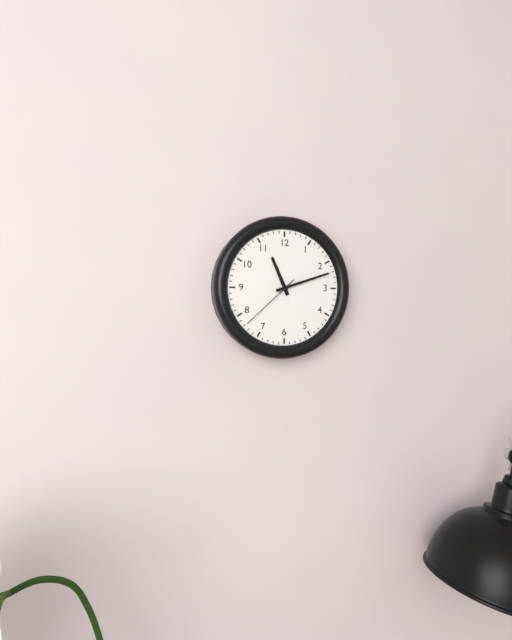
11h12m38s
